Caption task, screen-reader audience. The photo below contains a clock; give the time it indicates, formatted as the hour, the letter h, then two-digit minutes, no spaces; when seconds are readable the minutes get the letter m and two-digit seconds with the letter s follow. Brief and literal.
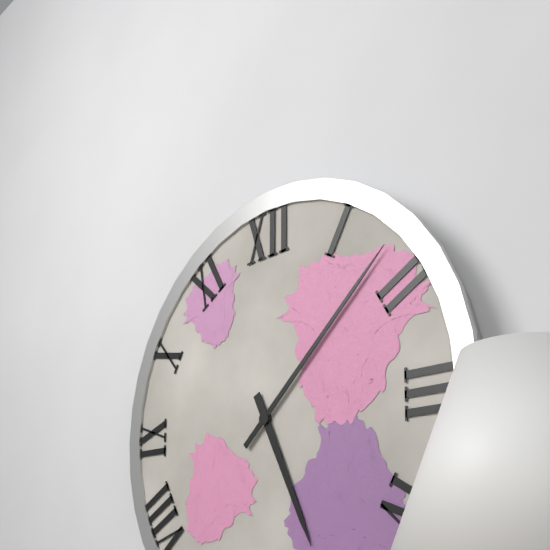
5h08
